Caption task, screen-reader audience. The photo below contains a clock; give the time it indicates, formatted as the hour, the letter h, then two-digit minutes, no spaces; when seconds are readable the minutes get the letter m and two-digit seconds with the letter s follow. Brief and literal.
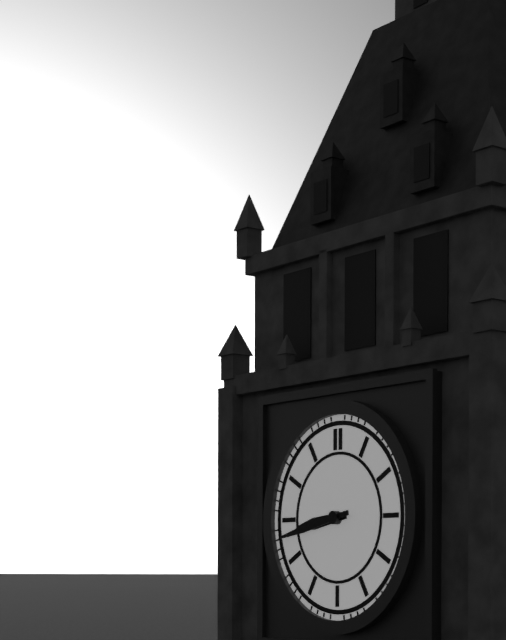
8h43
